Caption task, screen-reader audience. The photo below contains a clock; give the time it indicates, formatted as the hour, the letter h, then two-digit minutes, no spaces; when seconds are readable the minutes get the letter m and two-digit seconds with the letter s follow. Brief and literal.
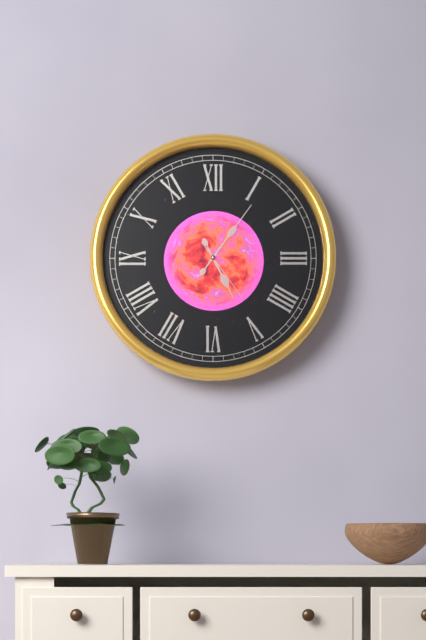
5h06m24s
